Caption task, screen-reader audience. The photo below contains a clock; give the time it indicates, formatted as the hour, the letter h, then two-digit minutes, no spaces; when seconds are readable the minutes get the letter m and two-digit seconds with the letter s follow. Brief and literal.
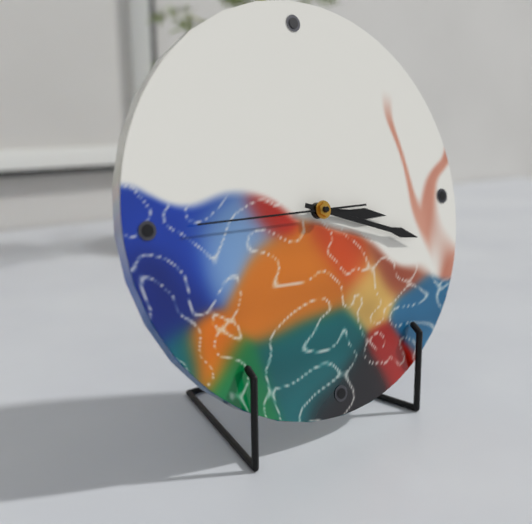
3h18m45s
